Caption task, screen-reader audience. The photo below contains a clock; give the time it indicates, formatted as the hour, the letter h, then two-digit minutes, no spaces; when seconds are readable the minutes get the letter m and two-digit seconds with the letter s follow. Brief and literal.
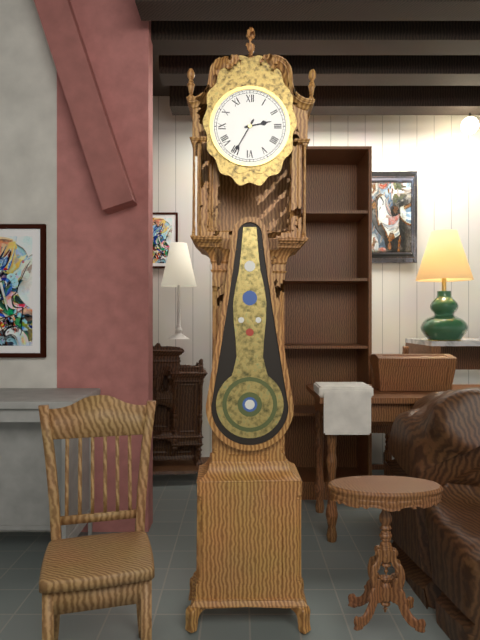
2h35
